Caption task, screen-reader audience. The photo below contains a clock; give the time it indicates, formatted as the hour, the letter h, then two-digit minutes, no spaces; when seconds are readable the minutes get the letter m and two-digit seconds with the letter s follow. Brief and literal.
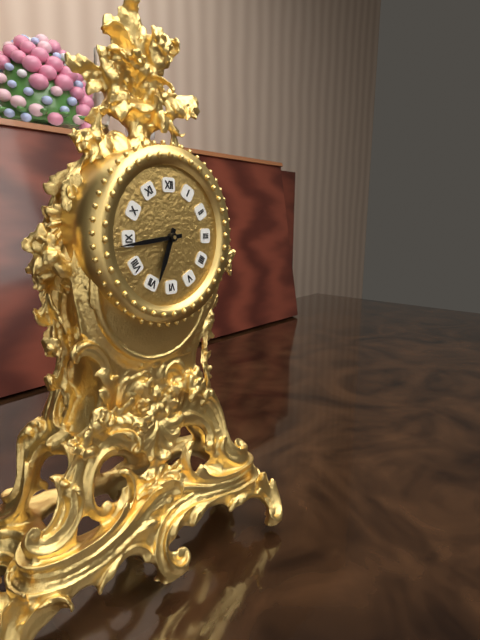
6h44
